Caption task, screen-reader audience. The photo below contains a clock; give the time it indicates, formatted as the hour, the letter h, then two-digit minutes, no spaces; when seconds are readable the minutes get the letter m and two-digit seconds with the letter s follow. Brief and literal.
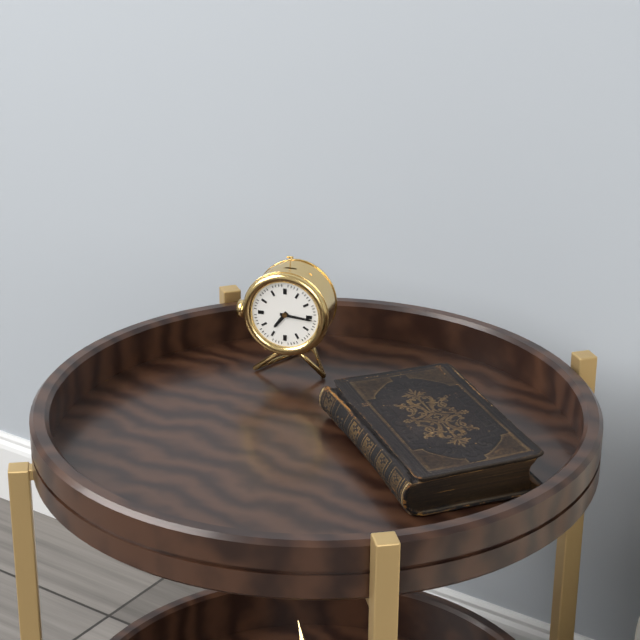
7h16
